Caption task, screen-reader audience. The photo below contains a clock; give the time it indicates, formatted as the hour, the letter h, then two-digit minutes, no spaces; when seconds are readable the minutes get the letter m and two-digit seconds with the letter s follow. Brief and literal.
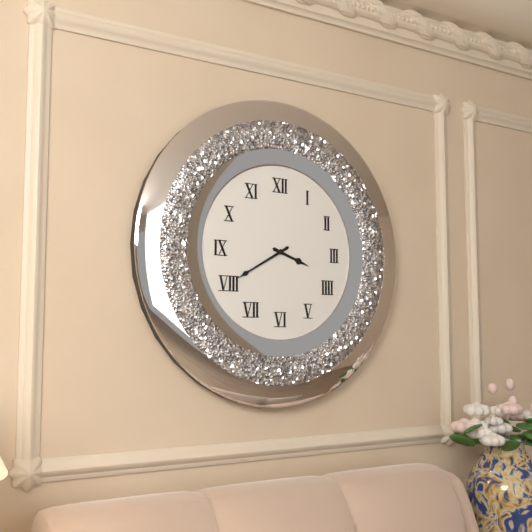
3h40
